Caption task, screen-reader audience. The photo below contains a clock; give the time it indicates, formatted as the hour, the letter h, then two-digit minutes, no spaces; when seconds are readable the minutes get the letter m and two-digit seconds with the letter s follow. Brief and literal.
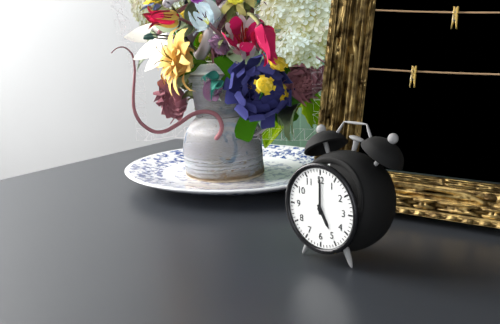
5h00
